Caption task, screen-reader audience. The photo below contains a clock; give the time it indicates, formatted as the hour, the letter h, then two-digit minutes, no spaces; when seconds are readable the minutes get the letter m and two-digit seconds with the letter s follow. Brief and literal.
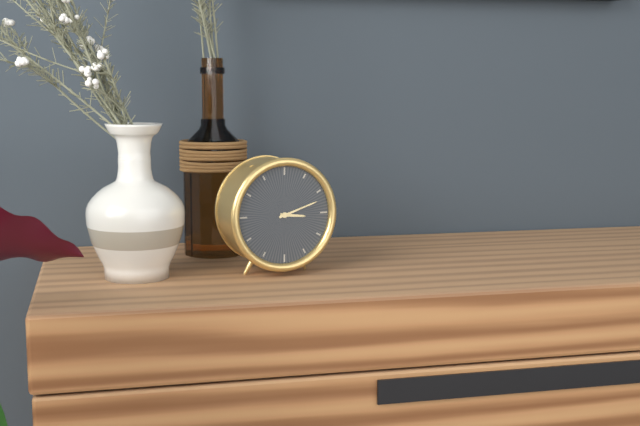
3h12
